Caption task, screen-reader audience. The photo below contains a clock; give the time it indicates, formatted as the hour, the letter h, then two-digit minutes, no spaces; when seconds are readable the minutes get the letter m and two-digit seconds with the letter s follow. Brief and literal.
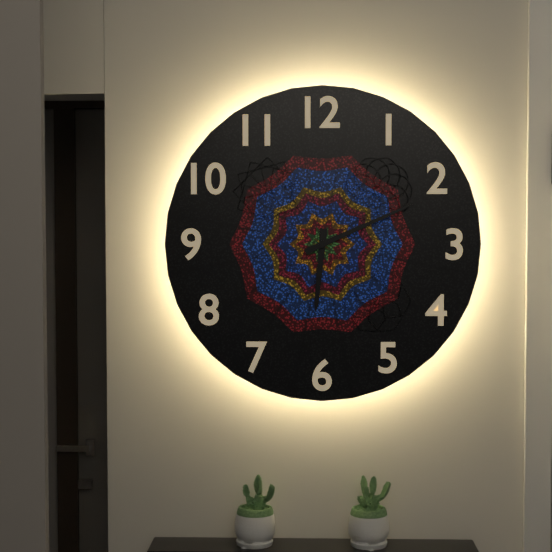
6h11
